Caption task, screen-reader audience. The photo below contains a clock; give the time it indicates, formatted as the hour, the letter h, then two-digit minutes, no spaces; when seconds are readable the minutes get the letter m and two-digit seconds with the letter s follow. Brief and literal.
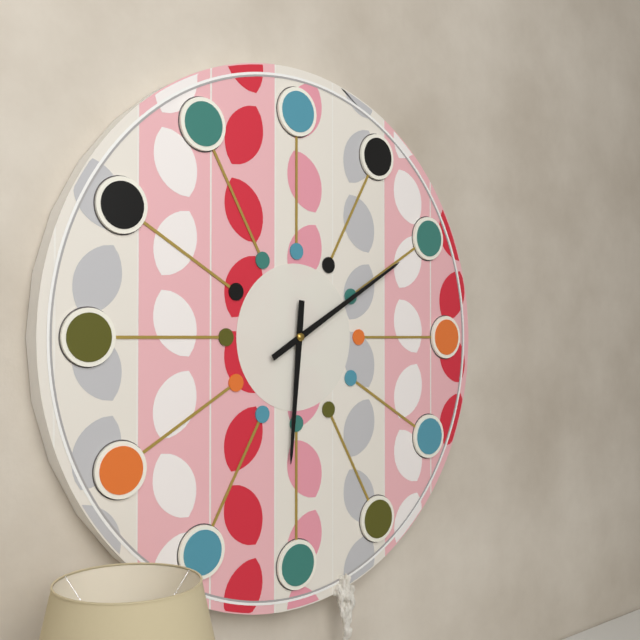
6h10
